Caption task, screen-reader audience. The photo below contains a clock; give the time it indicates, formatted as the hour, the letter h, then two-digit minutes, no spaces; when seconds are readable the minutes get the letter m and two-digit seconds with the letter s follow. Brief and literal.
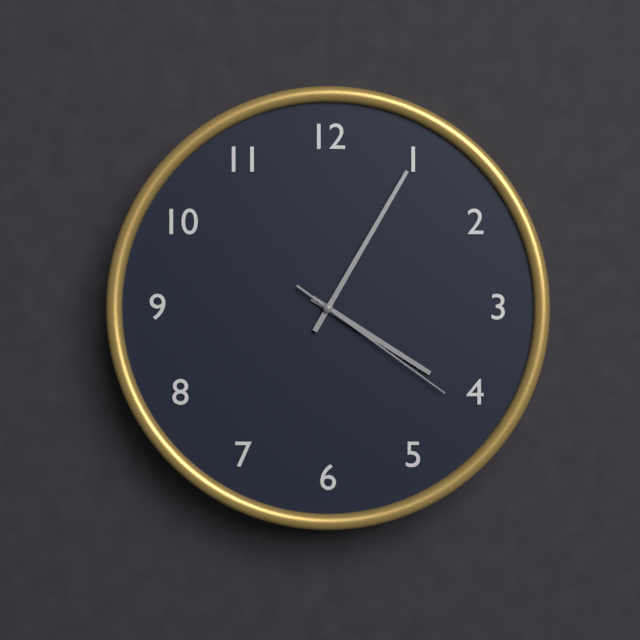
4h05m21s
